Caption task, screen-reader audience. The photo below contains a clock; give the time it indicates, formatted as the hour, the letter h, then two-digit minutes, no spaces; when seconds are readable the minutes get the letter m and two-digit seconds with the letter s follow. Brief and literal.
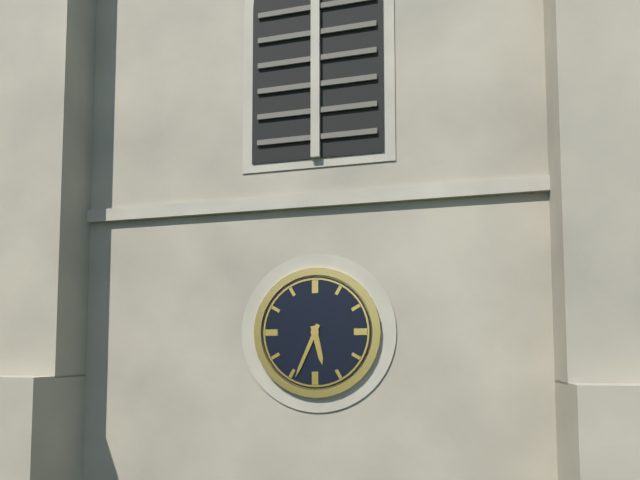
5h34
